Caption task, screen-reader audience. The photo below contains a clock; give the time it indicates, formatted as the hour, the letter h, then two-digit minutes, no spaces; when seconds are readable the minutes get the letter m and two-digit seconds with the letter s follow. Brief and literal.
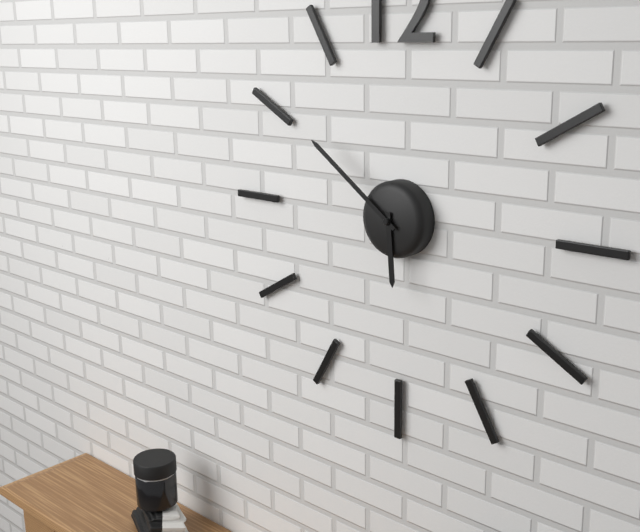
5h51
